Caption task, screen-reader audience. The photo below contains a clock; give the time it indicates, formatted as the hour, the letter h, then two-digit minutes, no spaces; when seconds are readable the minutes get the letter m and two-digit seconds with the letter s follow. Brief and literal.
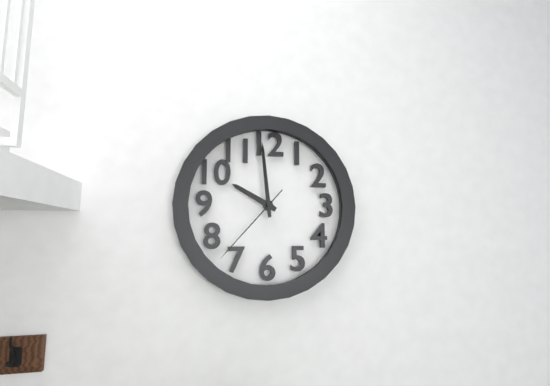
9h59m37s
